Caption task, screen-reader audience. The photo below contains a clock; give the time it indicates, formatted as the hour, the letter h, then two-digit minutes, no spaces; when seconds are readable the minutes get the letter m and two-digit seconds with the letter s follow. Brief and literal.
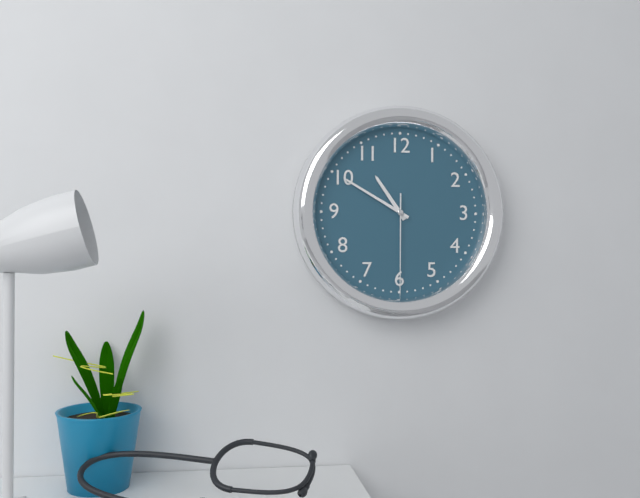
10h50m30s
